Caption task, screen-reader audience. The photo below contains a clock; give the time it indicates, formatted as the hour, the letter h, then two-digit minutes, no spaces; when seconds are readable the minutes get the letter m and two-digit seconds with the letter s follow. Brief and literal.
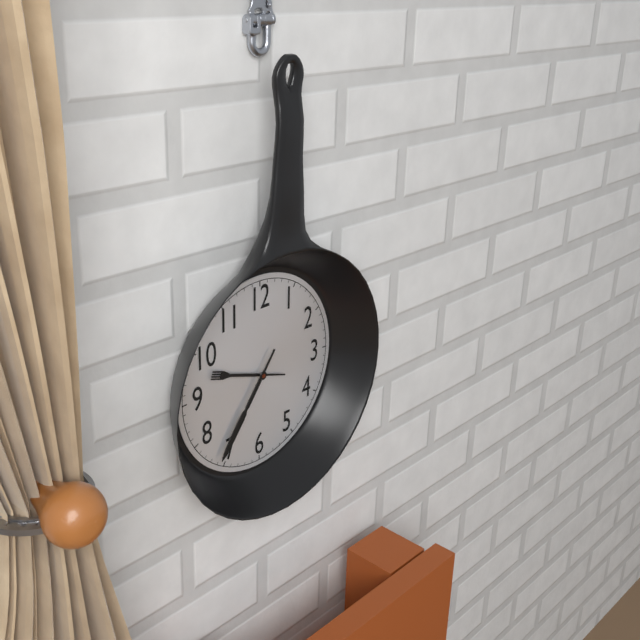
9h36
